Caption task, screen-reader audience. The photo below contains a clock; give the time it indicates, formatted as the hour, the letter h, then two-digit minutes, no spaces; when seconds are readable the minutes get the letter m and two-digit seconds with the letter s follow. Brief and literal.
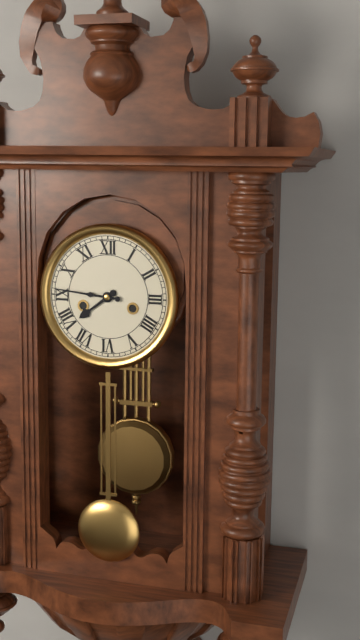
7h46
